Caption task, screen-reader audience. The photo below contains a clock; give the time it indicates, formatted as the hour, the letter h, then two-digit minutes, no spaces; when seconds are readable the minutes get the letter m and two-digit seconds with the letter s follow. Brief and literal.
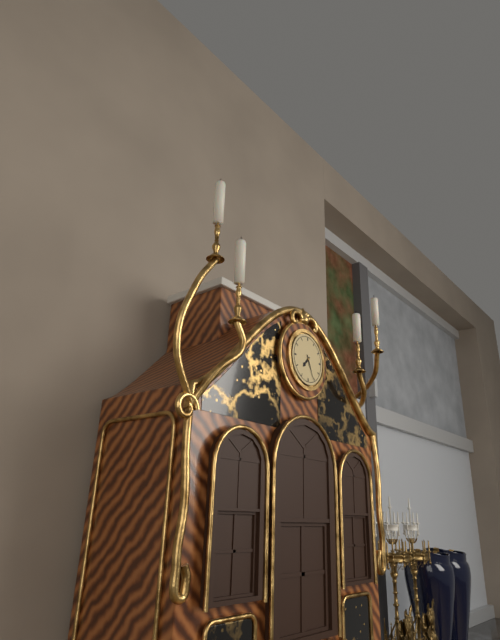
7h26
